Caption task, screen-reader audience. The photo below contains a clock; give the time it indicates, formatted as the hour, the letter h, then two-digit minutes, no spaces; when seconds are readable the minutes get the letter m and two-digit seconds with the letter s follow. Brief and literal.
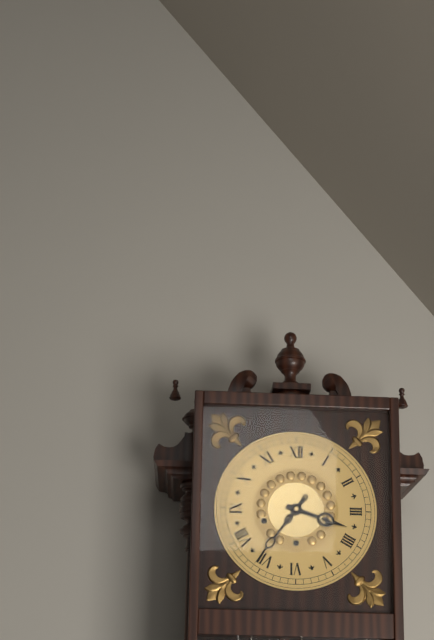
3h36
